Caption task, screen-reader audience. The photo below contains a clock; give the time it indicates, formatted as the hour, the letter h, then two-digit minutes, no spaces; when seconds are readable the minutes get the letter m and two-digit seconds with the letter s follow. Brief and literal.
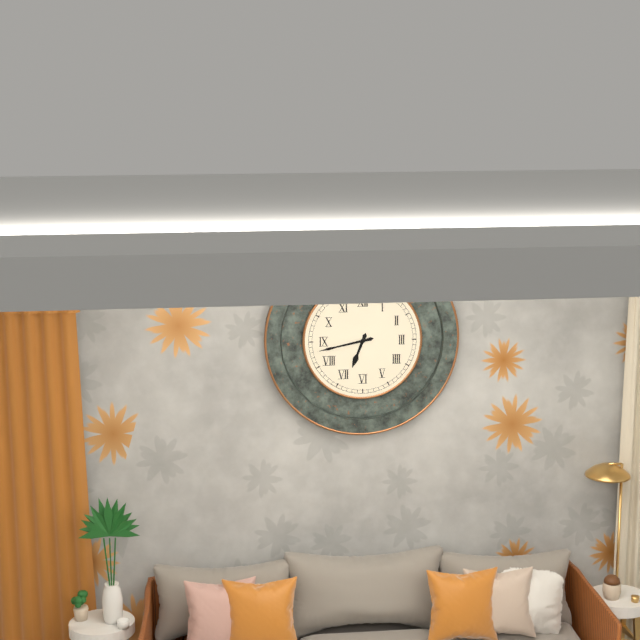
6h43
